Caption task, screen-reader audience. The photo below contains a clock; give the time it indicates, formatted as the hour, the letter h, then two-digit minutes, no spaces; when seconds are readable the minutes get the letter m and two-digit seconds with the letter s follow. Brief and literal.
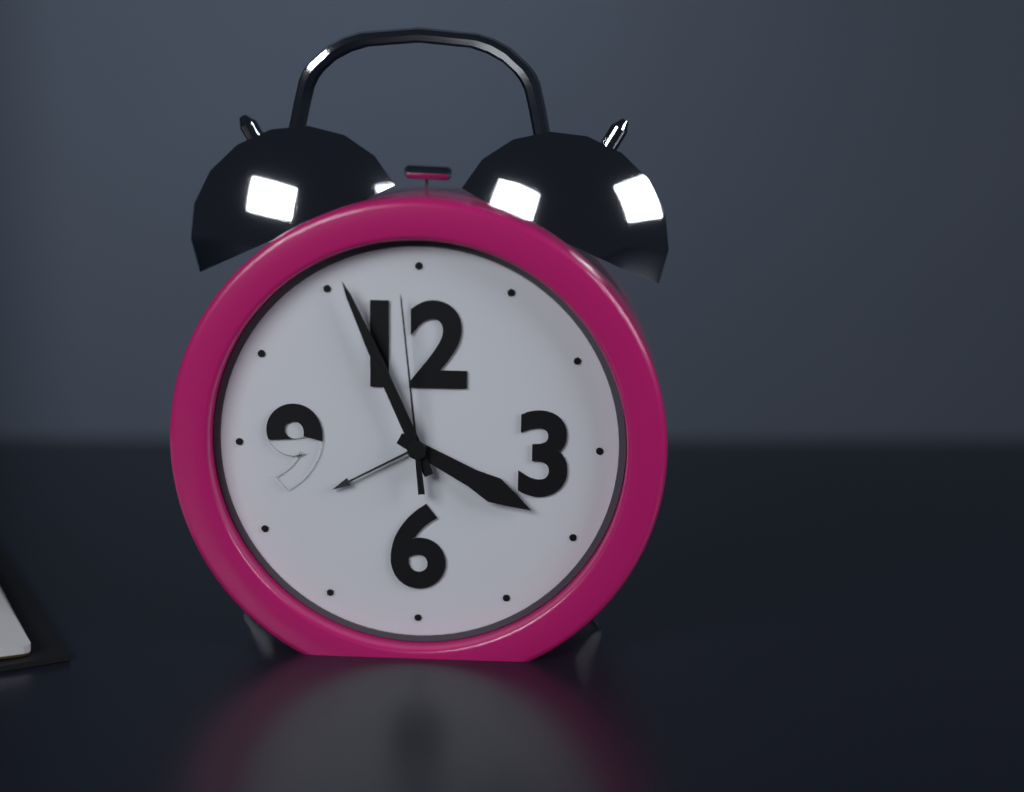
3h56m59s
